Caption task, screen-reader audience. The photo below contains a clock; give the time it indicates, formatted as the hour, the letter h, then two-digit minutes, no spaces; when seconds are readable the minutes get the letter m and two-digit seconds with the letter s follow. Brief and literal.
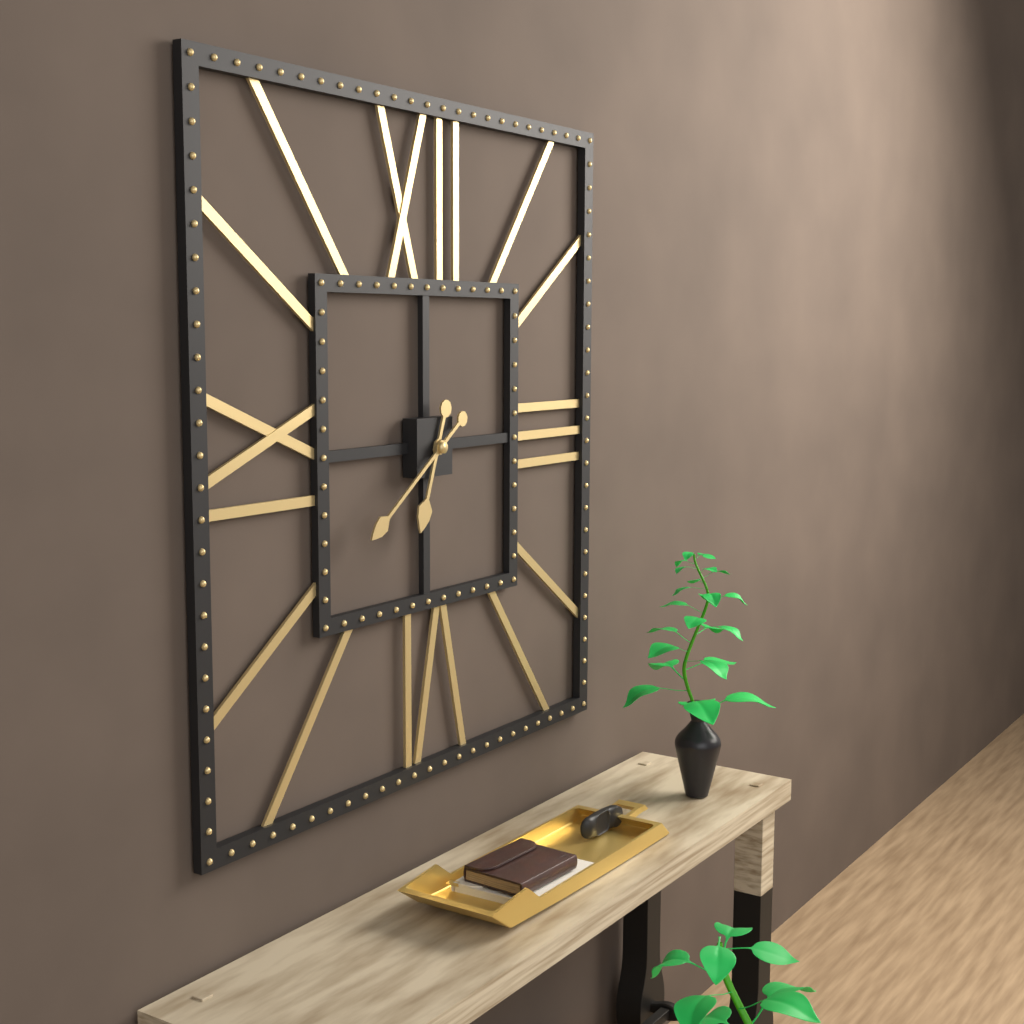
6h39
